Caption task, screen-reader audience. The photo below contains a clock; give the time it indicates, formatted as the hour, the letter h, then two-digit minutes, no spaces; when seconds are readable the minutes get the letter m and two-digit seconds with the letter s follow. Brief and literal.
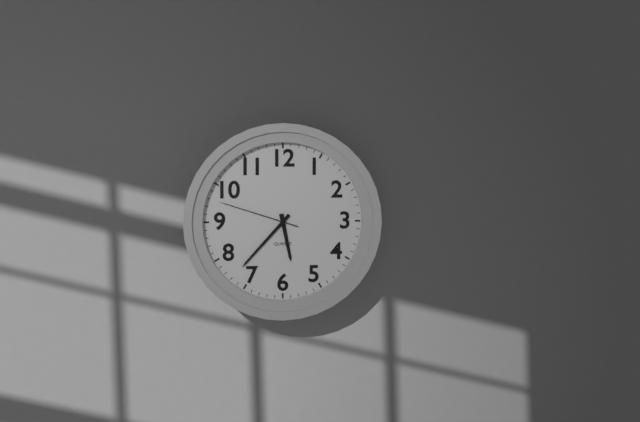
5h37m48s
